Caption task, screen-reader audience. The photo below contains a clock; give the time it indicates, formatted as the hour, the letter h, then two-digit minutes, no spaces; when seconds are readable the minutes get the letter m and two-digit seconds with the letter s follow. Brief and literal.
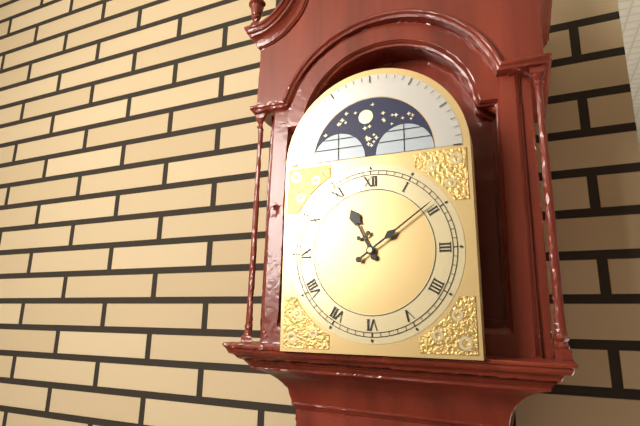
11h09
